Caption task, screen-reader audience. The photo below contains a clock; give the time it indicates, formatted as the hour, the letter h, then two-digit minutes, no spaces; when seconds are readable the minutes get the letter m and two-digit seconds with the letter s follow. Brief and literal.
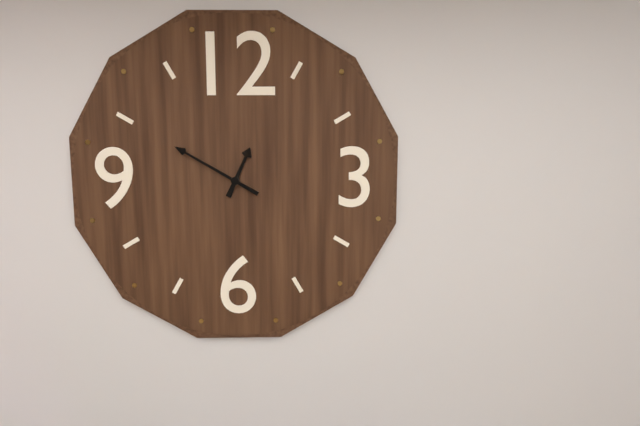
12h50
